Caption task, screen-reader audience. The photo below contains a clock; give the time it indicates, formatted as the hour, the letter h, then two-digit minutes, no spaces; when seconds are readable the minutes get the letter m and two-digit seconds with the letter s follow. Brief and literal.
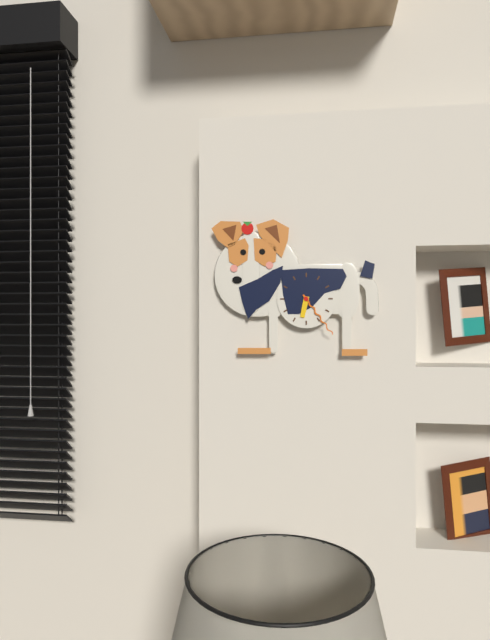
6h24
